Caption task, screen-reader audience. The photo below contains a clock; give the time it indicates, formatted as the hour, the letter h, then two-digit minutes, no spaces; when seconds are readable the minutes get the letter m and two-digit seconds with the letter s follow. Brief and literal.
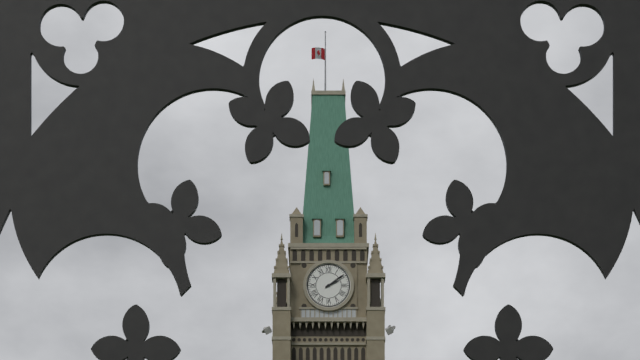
2h09
